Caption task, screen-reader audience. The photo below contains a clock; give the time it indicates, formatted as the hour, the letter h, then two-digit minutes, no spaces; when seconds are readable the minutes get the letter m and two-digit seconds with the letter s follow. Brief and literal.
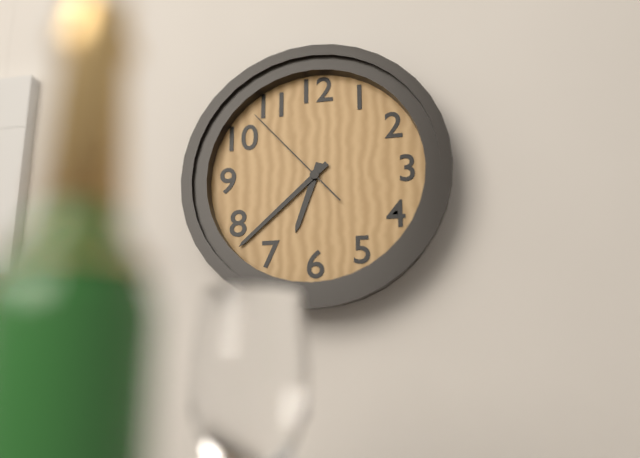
6h38m53s
